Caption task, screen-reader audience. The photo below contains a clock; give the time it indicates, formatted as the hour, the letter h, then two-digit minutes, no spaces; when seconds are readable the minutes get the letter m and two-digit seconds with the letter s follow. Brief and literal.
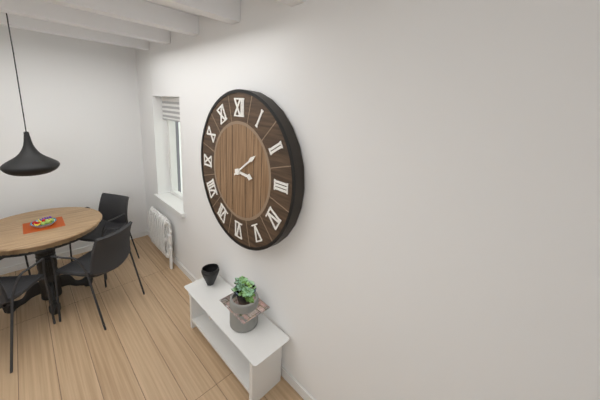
3h09
